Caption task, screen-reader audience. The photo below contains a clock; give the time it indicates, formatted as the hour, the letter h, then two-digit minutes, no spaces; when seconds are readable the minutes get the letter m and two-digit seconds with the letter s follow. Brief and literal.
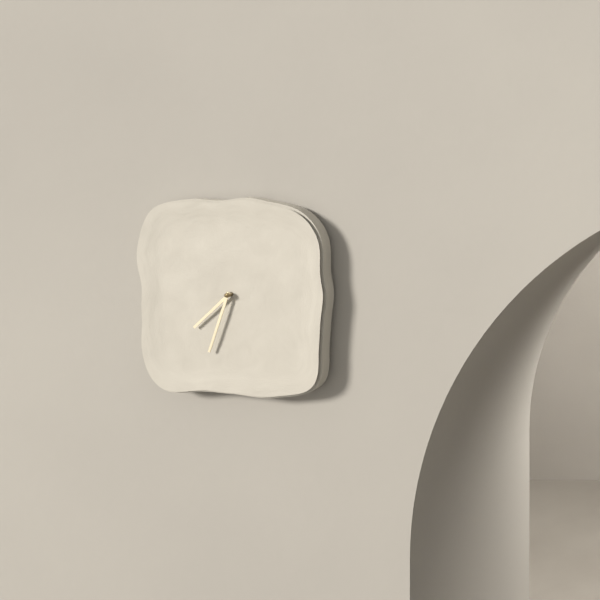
7h33
